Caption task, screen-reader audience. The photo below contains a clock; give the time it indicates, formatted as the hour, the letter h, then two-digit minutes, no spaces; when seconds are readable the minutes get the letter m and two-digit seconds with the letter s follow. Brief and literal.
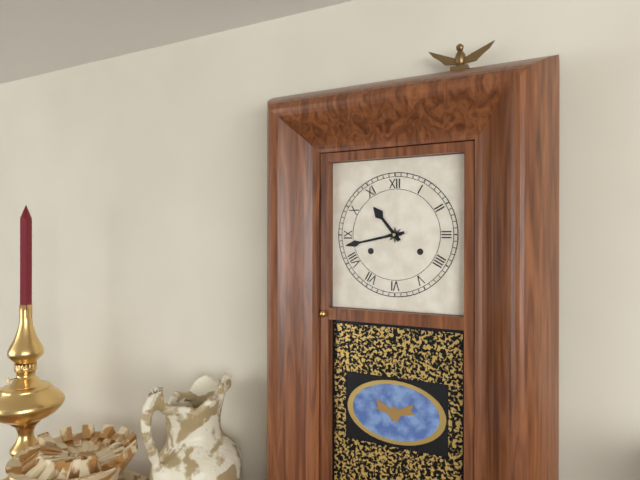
10h43
